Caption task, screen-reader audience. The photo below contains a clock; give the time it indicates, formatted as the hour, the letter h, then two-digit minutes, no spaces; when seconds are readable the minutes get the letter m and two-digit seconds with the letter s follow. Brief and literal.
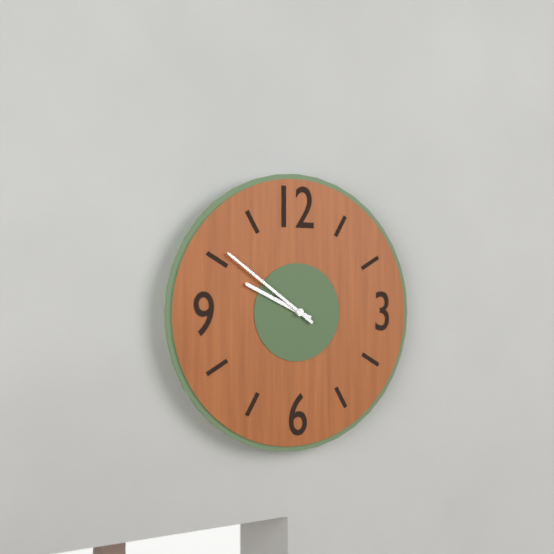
9h51
